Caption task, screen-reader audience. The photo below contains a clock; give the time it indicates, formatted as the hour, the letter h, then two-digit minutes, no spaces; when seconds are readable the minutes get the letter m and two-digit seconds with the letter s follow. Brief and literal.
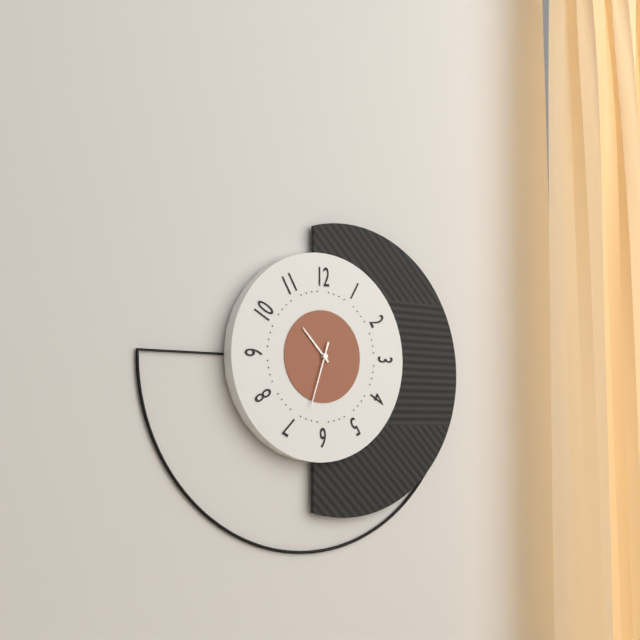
10h33
